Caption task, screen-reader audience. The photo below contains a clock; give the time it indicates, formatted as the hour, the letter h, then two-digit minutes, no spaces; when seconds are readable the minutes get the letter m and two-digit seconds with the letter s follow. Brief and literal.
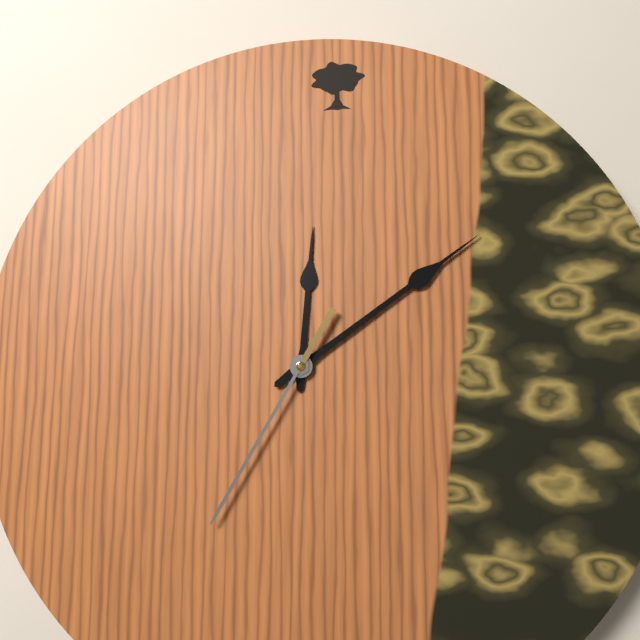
12h09m35s
